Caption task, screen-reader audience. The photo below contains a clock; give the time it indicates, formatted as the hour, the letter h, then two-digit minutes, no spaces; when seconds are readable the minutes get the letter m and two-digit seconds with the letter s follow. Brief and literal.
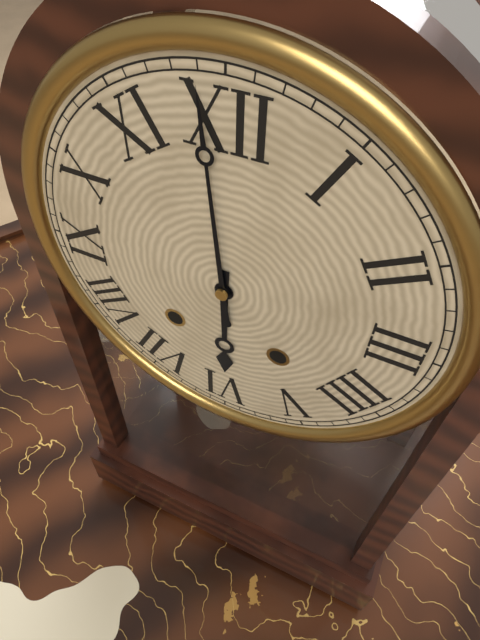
5h59
